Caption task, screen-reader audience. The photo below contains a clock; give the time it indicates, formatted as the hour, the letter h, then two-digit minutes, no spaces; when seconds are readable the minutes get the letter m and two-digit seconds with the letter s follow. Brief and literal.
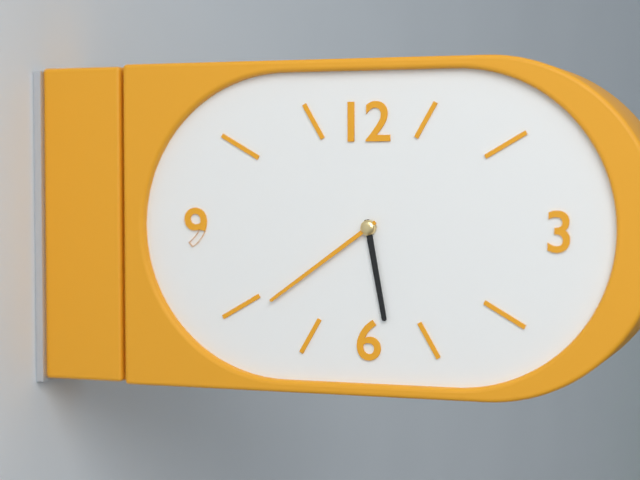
5h39
